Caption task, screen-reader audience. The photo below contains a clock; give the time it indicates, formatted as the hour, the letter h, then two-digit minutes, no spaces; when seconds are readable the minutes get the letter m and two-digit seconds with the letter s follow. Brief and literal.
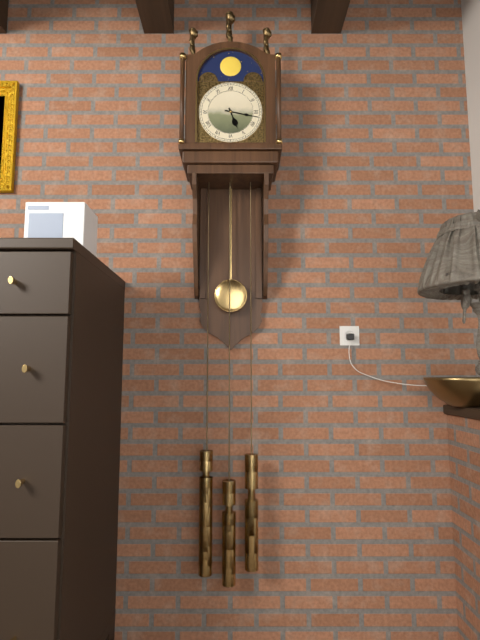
5h17
